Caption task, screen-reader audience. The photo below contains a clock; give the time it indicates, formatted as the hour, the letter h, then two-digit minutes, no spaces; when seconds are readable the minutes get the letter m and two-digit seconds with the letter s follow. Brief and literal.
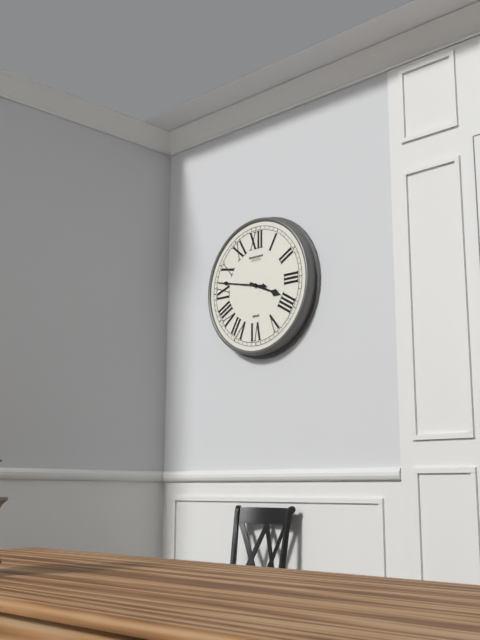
3h47
